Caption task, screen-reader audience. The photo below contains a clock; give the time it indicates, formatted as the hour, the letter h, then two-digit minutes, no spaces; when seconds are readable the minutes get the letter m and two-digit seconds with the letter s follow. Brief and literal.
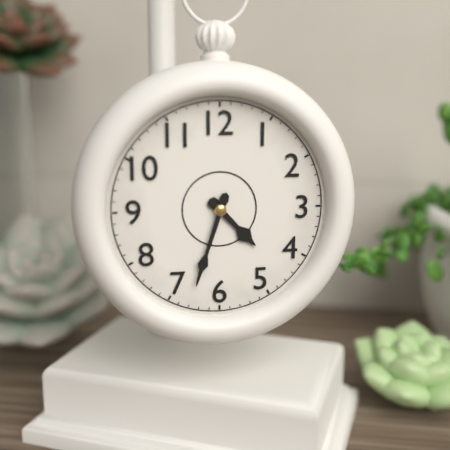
4h33
